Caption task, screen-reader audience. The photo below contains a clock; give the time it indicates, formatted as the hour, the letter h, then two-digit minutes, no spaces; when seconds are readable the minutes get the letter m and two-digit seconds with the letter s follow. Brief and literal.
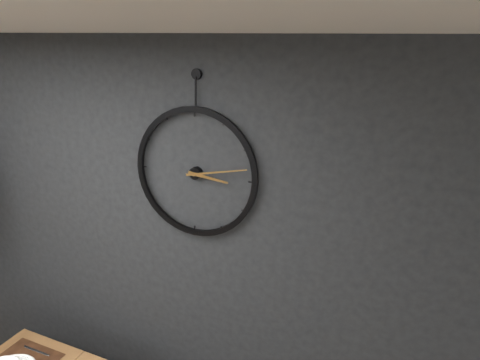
3h13
